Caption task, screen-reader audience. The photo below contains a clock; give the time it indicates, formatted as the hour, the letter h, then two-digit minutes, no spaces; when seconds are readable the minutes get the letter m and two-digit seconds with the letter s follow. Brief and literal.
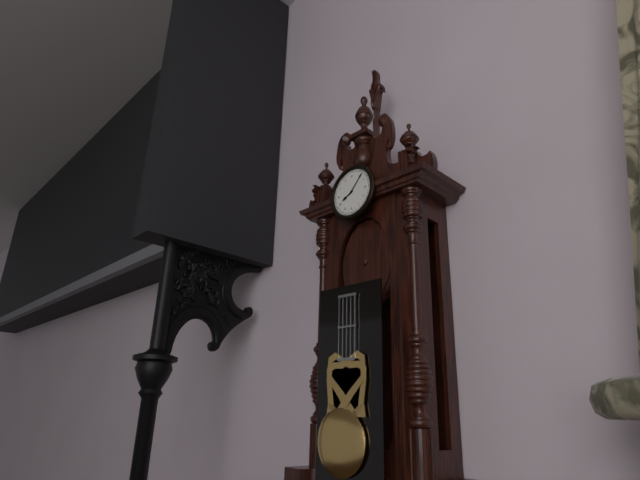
8h07
